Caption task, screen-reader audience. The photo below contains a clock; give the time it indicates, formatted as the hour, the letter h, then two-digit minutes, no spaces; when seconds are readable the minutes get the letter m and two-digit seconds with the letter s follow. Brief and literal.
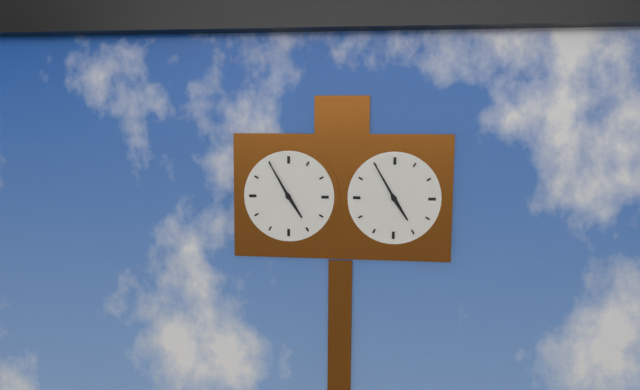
4h55
